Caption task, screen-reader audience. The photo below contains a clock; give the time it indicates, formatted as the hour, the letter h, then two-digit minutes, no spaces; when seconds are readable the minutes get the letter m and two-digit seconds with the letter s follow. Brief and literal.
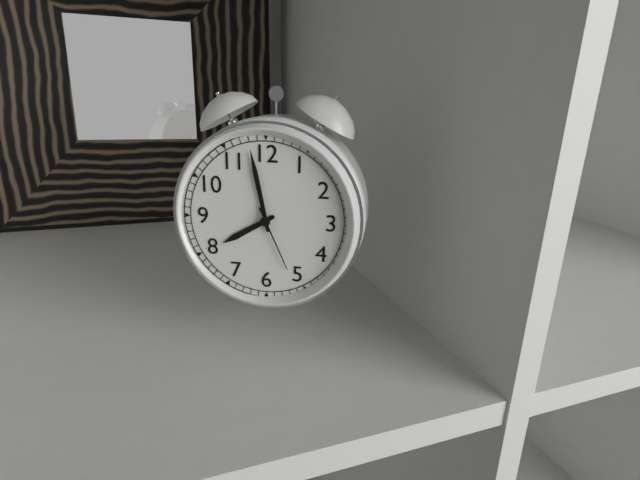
7h58m26s
